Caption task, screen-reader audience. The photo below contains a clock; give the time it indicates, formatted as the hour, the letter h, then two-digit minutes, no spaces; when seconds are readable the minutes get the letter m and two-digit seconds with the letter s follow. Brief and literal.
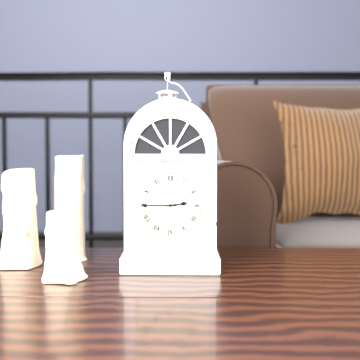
2h45
